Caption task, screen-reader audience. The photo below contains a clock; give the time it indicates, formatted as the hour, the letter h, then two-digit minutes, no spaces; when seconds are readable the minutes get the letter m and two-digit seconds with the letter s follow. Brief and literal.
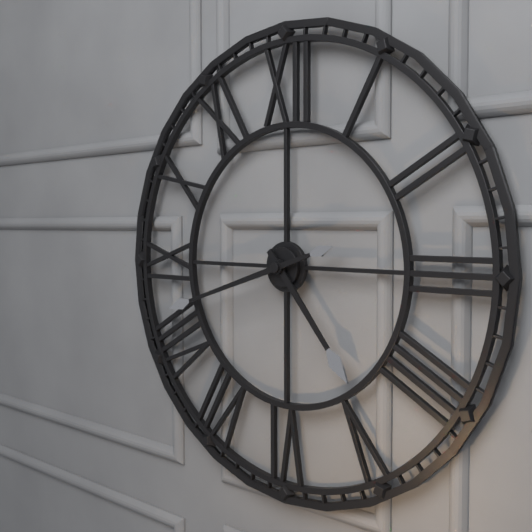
4h42
